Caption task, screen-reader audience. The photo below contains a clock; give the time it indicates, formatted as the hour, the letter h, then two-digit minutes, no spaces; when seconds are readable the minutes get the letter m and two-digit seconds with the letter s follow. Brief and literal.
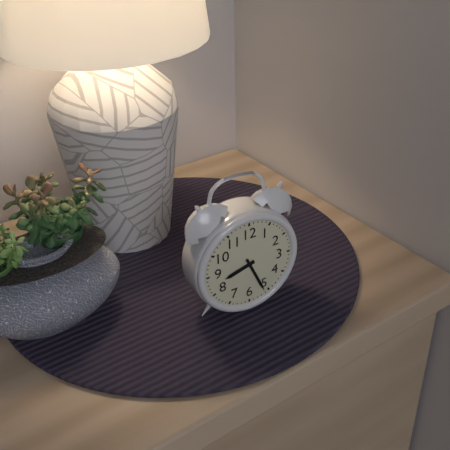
8h26
